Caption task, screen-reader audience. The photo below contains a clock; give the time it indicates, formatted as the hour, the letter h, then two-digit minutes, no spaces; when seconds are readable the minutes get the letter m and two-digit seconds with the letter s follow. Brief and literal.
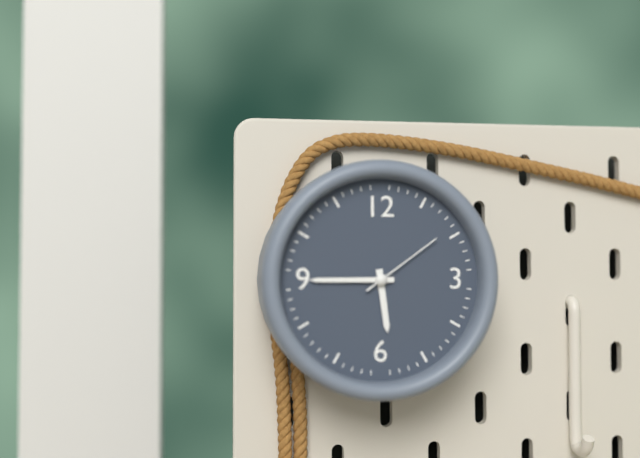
5h45m09s
